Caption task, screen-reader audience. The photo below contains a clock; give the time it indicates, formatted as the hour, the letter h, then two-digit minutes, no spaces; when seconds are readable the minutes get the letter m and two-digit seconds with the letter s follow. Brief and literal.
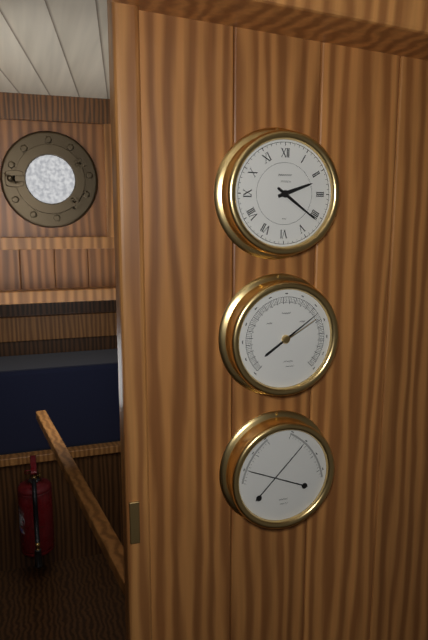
2h21
